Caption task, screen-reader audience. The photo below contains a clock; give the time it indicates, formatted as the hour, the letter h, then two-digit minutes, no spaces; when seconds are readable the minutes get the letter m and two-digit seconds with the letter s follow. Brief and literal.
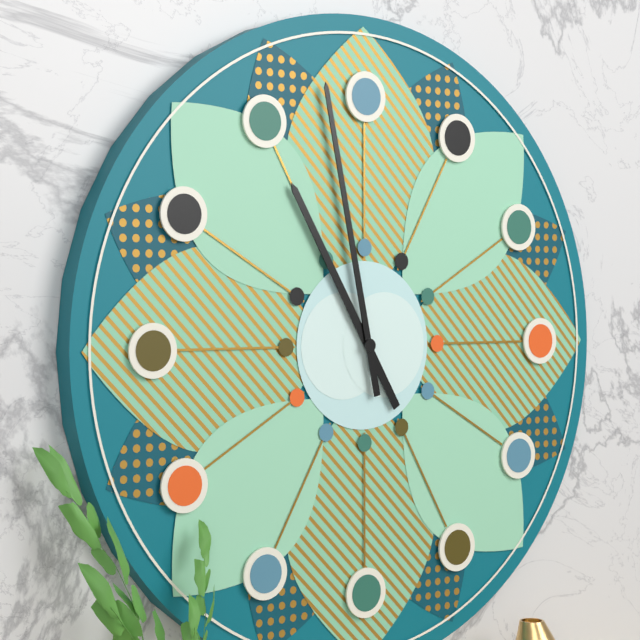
10h58
